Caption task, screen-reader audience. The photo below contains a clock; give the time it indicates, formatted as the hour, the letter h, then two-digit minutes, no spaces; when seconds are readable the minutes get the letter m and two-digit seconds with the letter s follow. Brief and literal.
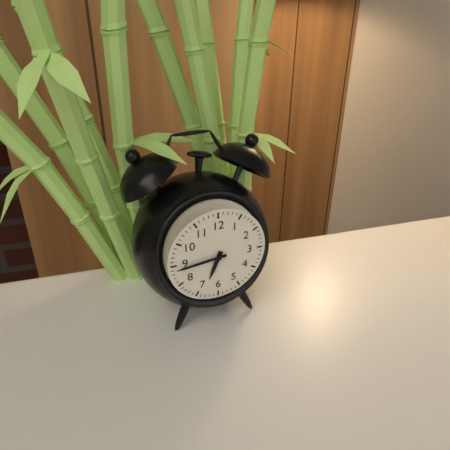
6h44
